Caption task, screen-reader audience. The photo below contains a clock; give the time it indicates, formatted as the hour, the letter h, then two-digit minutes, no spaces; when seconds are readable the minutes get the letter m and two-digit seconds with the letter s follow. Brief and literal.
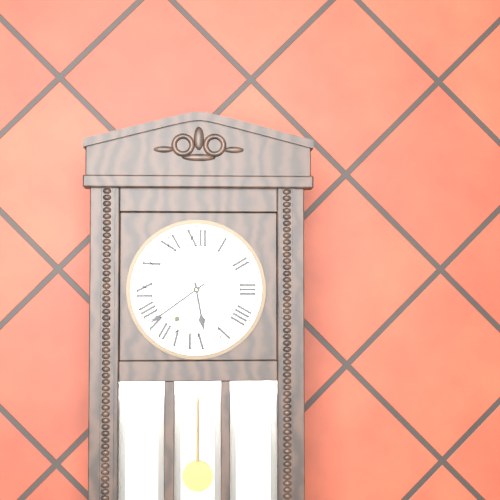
5h39
